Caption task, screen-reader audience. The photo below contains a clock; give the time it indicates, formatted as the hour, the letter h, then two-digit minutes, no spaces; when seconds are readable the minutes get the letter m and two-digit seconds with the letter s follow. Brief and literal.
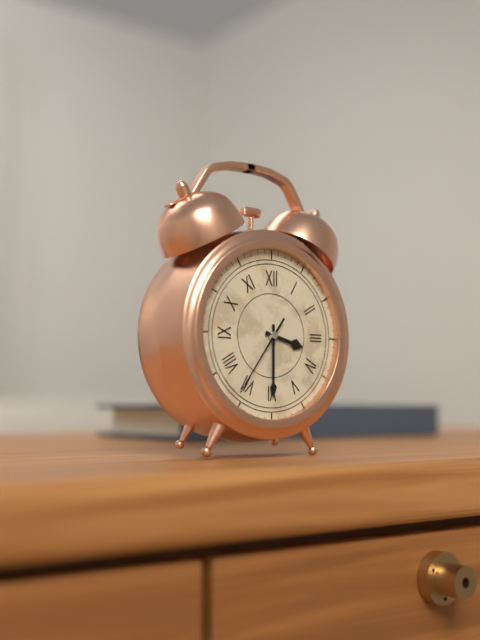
3h30m36s
